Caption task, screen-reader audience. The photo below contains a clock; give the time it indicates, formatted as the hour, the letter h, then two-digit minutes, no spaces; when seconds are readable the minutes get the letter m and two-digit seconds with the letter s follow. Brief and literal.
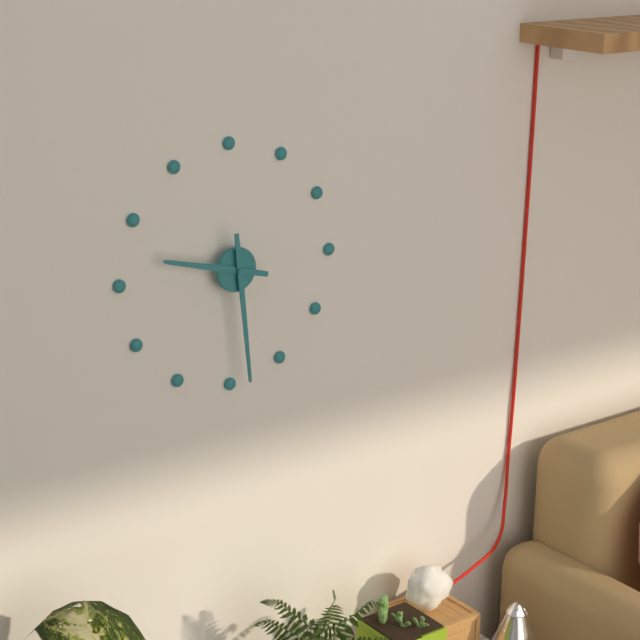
9h29
